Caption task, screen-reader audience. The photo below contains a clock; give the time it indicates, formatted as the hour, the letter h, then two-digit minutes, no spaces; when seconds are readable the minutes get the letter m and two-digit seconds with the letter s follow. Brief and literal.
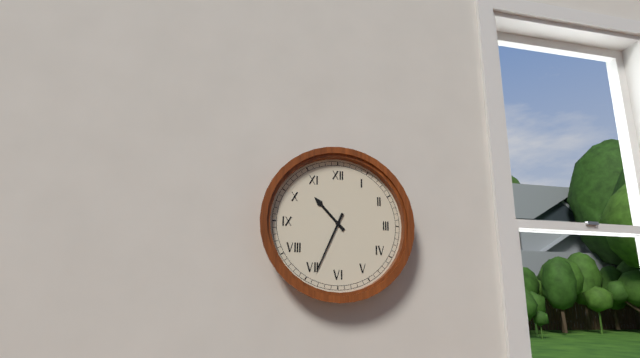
10h34
